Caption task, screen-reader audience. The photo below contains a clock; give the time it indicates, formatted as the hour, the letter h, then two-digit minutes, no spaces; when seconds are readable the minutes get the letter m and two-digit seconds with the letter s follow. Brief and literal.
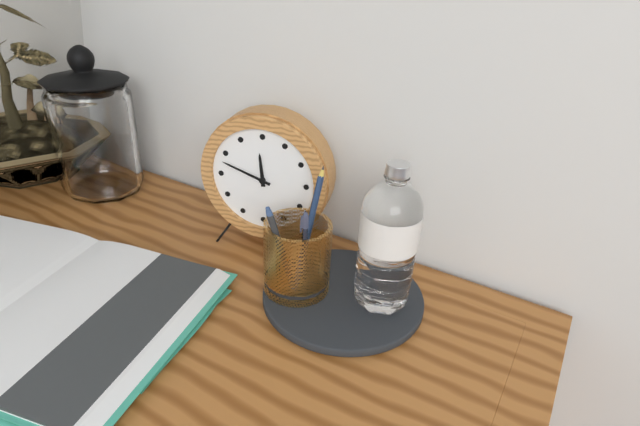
11h48
